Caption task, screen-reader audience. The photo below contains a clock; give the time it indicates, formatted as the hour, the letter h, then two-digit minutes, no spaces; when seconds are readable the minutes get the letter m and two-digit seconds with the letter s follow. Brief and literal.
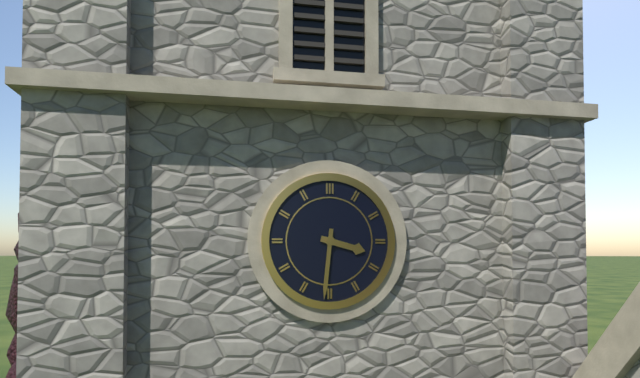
3h31
